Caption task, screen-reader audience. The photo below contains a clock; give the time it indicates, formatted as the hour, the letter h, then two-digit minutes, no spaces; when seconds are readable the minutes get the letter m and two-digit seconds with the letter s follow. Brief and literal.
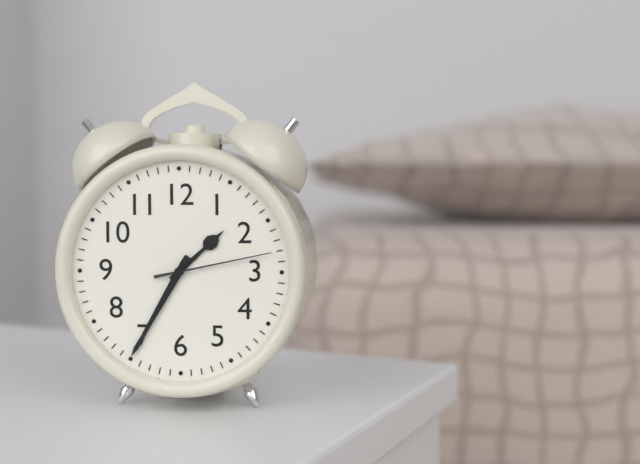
1h35m13s
